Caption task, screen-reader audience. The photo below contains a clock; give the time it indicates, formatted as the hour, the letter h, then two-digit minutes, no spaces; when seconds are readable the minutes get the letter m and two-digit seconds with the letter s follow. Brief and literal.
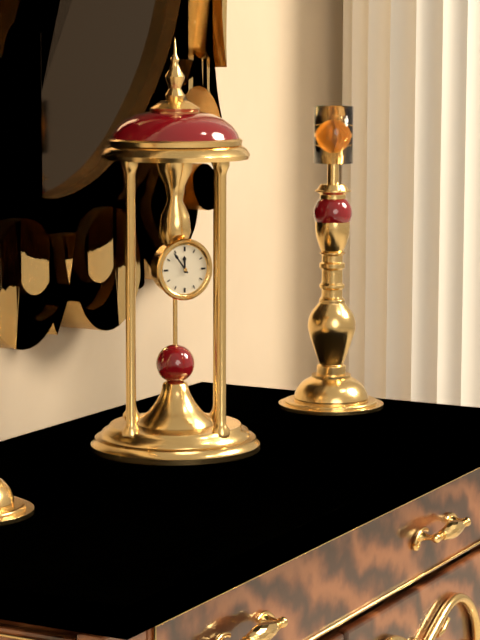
11h54
